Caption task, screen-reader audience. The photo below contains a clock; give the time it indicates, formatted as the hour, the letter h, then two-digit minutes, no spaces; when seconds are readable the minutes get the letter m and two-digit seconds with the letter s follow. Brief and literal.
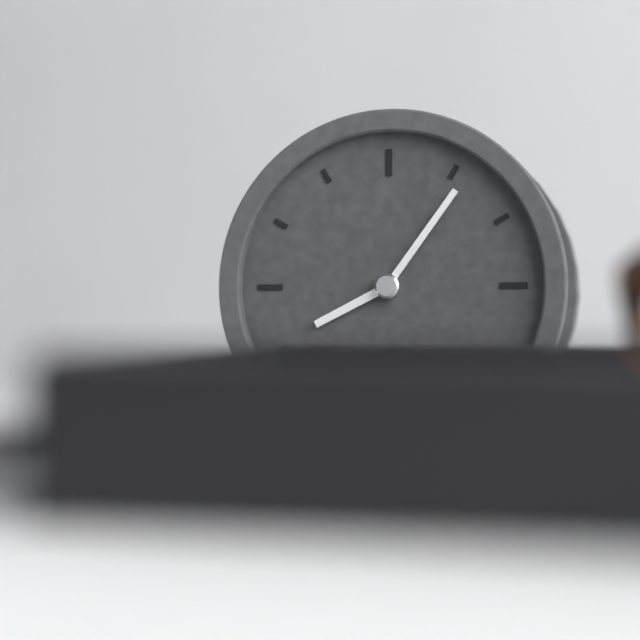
8h06
